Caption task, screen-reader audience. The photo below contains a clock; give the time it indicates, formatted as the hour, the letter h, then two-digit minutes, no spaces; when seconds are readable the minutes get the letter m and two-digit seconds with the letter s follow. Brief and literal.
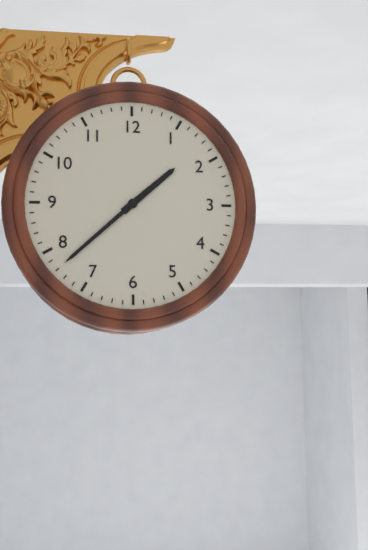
1h38
